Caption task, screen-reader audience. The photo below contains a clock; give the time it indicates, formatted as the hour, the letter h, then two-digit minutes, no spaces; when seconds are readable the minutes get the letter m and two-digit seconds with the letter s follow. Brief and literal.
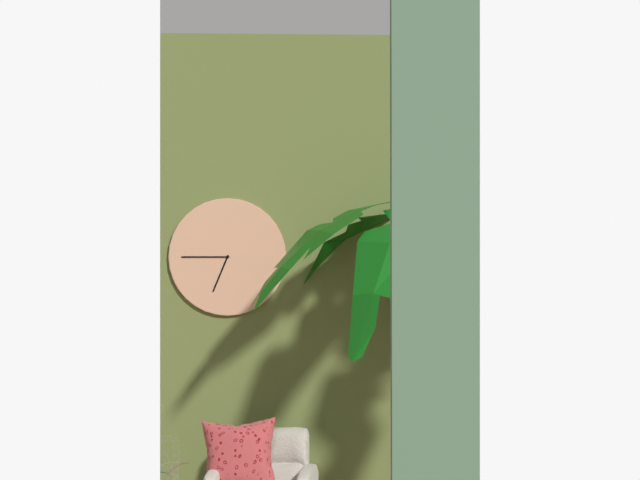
6h45
